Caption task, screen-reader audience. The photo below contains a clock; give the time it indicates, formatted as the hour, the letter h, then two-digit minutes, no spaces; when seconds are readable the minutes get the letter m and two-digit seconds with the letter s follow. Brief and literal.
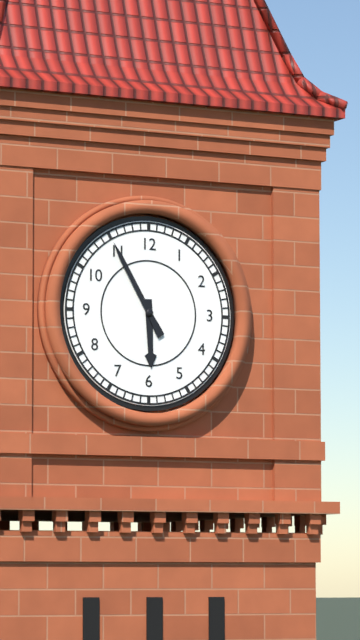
5h55
